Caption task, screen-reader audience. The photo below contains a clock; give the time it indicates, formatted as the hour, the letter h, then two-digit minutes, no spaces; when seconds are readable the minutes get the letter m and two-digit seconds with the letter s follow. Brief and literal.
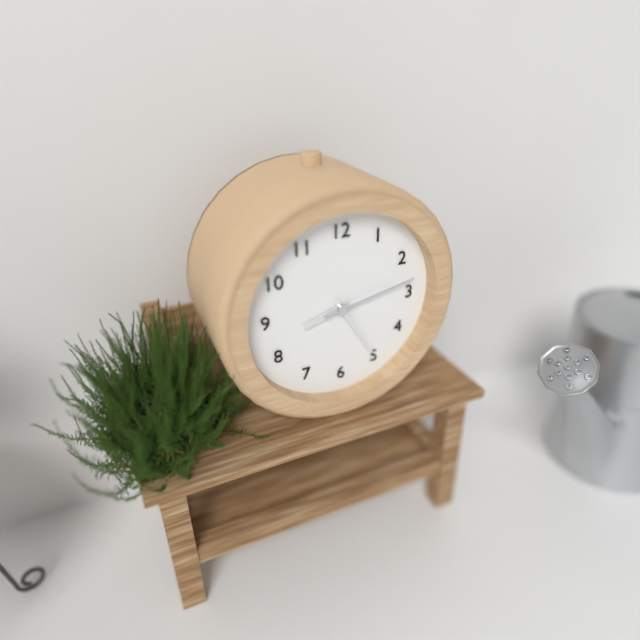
8h25m13s
